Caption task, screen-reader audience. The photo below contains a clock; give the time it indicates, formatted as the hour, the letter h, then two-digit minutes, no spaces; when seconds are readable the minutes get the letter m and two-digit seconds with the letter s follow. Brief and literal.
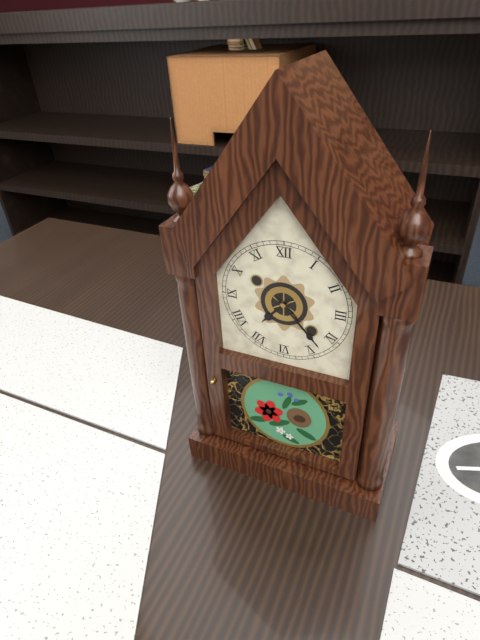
7h23
